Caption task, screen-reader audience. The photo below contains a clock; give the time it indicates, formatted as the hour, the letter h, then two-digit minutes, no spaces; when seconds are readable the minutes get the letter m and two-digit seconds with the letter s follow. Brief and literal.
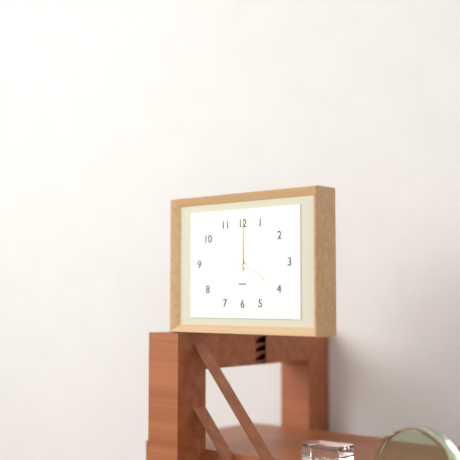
4h00
